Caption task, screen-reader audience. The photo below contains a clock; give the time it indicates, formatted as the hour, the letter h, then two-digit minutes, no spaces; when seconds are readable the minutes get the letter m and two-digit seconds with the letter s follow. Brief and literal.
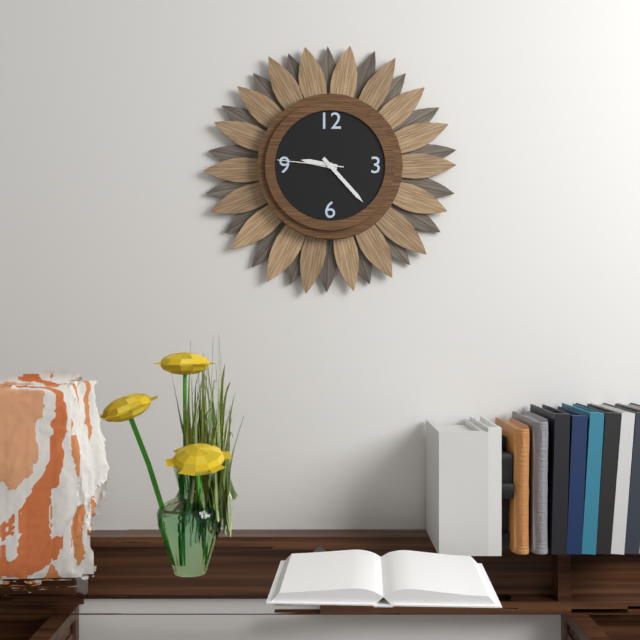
9h23m46s
